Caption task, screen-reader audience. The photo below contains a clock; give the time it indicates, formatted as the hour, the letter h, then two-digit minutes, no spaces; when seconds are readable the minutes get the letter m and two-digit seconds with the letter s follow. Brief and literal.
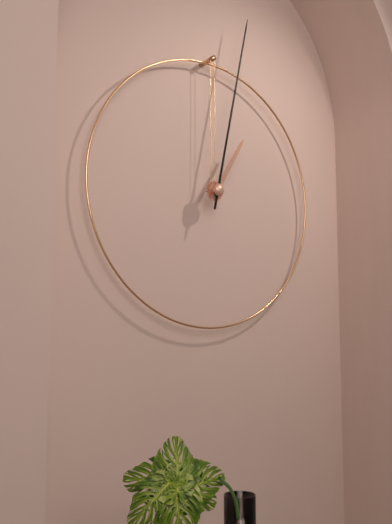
1h02
